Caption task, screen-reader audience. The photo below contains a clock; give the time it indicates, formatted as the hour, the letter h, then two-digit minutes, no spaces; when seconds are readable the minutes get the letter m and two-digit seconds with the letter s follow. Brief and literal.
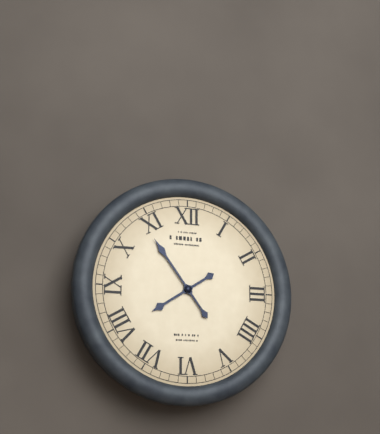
7h54
